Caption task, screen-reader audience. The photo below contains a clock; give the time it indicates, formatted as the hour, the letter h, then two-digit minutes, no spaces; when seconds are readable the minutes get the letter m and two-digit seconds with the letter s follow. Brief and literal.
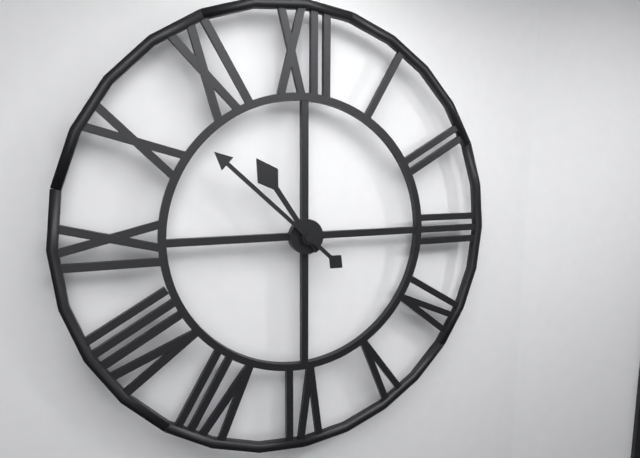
10h52
